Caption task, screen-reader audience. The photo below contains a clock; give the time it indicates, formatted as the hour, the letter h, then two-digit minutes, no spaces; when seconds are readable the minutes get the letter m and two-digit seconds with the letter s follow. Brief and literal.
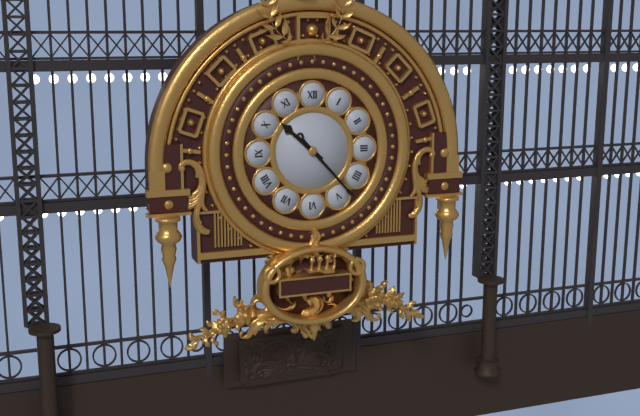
10h23
